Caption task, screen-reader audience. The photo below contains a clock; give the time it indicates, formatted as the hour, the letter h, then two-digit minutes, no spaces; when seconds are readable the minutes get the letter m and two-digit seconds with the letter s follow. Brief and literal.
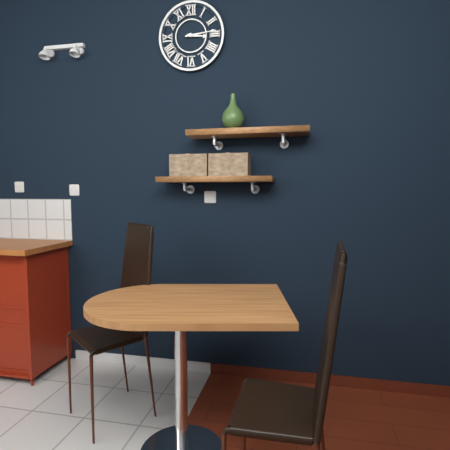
3h14
